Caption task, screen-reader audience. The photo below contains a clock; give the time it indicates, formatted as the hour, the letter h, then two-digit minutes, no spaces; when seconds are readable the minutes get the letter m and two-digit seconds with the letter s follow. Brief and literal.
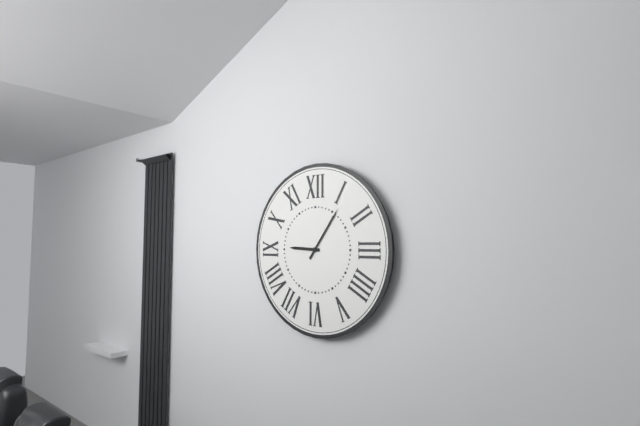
9h06
